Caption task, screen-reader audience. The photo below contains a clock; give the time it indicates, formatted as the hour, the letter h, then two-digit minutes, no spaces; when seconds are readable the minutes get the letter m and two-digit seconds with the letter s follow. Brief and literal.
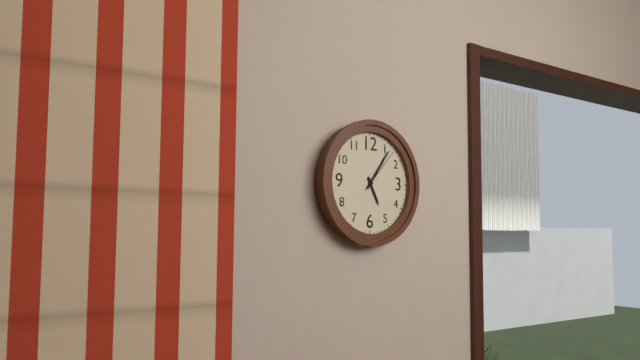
5h06
